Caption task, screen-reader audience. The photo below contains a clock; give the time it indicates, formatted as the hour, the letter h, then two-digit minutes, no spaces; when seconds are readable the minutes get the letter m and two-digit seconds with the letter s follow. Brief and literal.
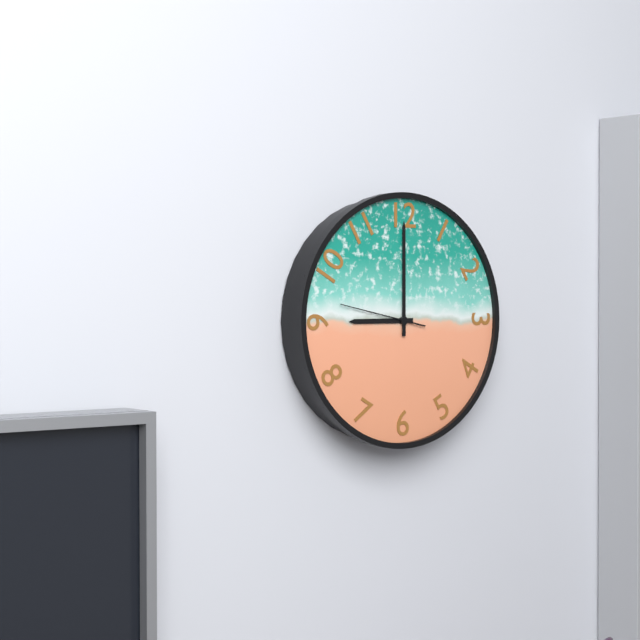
9h00m47s
